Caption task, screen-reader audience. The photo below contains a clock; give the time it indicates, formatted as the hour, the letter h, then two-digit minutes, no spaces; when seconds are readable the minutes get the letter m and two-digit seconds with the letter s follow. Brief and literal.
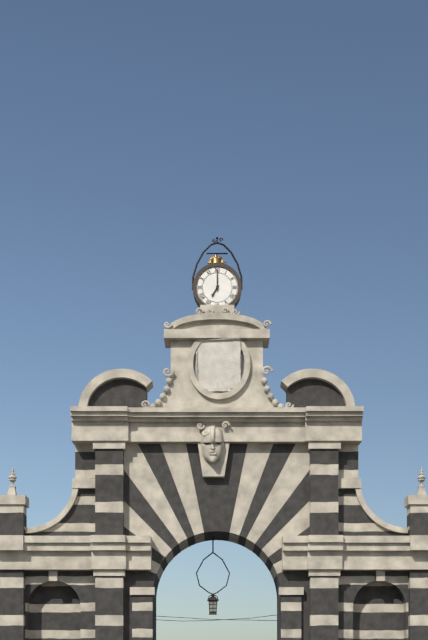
7h00
